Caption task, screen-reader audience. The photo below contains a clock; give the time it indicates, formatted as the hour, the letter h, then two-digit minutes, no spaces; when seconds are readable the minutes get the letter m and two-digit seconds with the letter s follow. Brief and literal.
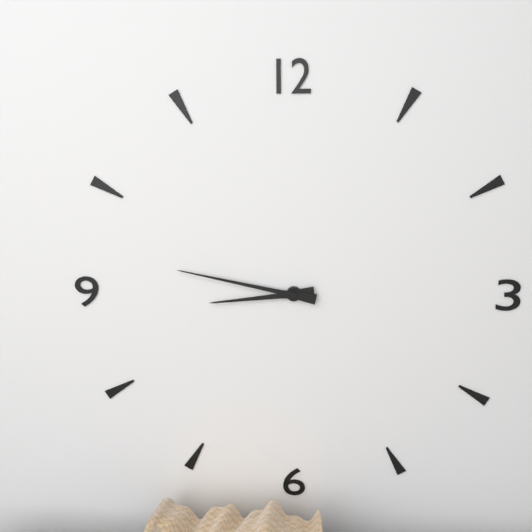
8h47
